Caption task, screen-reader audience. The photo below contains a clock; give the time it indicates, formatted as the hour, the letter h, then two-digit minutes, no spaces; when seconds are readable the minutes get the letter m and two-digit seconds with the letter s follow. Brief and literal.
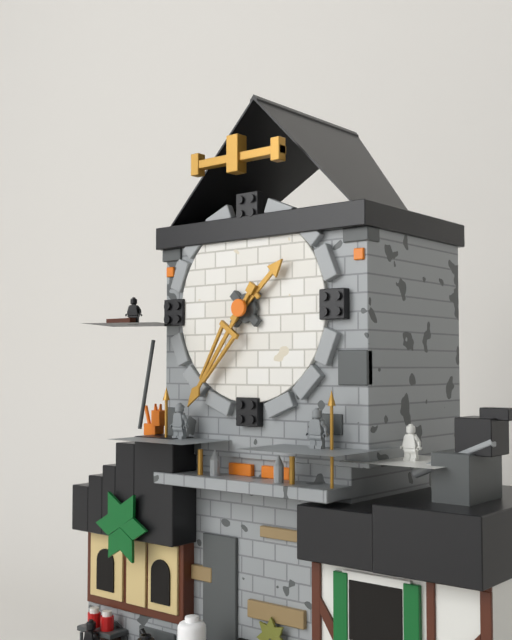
1h36
